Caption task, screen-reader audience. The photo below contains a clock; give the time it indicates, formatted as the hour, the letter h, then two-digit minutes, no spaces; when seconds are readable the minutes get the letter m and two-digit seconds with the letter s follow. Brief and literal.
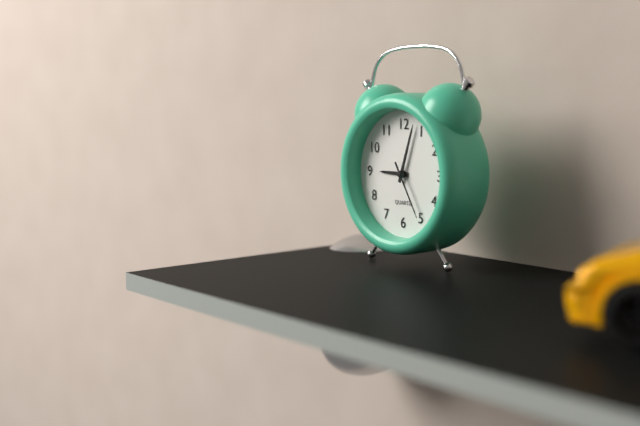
9h03m25s
